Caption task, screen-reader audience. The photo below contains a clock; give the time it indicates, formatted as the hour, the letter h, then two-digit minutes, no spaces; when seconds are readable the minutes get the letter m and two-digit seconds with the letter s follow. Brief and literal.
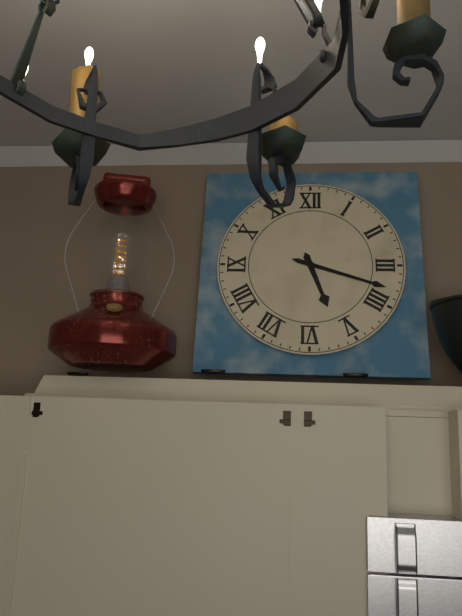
5h18
